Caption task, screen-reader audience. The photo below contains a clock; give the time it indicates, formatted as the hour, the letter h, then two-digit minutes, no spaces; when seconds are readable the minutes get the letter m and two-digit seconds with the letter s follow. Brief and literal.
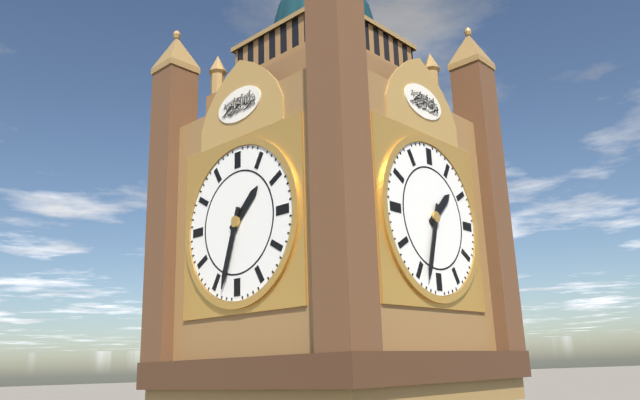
1h33
